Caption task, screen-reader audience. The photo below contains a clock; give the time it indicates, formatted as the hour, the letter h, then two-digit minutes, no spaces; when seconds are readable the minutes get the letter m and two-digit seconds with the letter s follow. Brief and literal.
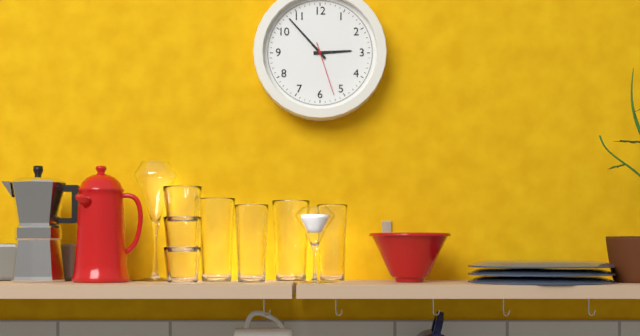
2h53m27s
